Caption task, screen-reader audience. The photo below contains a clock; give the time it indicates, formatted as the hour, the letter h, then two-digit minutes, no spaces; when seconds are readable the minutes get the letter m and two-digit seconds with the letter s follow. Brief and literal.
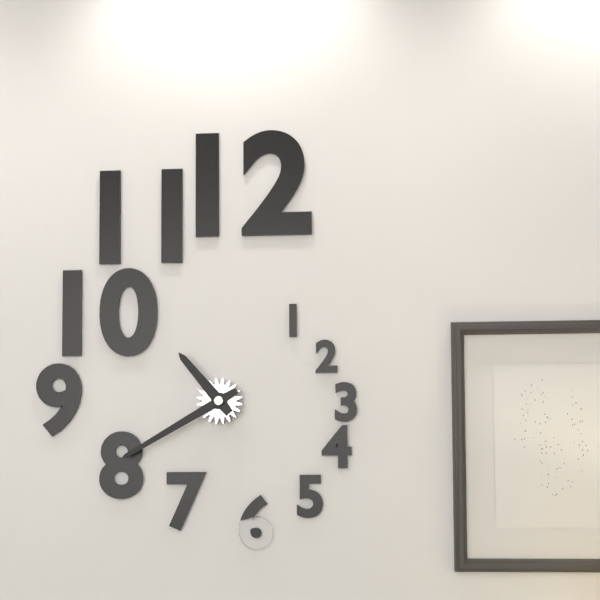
10h40
